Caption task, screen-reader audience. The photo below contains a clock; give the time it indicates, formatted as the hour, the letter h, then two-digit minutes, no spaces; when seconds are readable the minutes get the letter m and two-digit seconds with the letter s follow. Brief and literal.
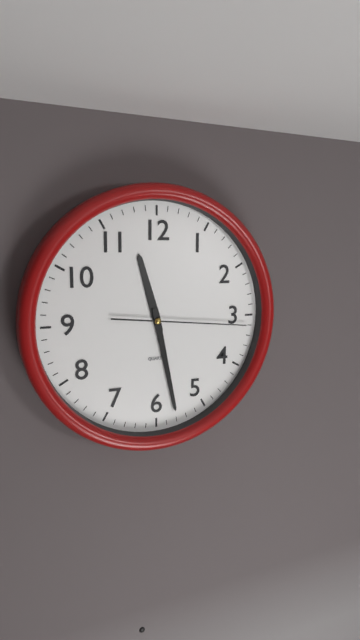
11h28m16s
